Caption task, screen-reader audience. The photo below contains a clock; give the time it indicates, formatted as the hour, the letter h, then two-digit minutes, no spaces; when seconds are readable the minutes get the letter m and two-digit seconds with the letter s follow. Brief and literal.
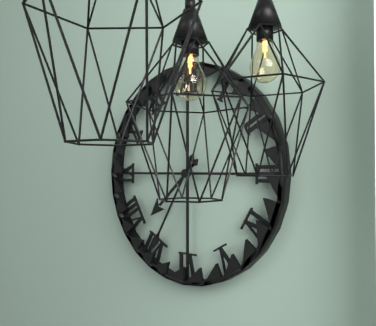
7h35
